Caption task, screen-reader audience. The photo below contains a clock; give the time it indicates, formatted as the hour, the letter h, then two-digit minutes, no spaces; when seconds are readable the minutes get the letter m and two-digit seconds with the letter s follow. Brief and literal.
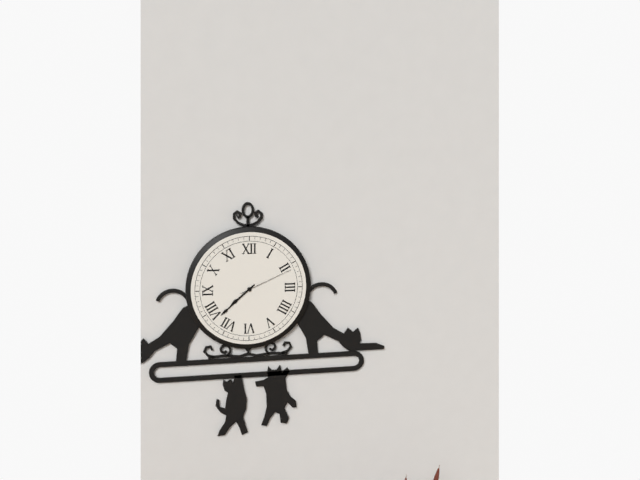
7h38m11s
